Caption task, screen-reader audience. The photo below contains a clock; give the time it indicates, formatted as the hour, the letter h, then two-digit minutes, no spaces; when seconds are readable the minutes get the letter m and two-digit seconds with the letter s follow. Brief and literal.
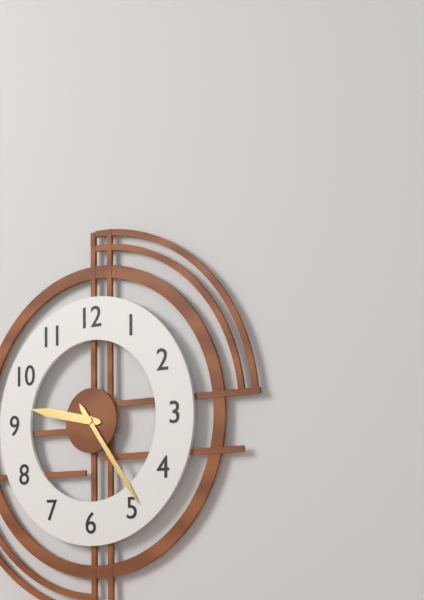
9h24
